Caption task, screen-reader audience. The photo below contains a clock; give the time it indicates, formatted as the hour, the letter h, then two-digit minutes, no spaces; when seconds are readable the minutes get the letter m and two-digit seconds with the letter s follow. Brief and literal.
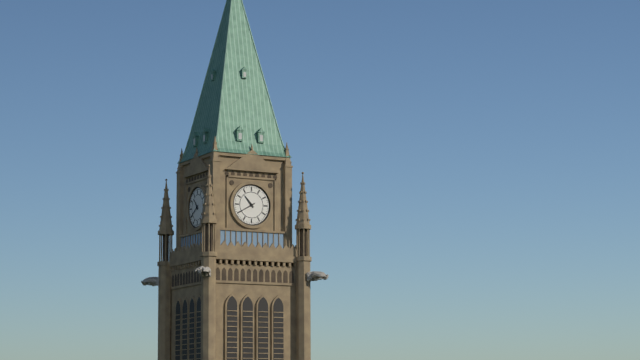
10h40
